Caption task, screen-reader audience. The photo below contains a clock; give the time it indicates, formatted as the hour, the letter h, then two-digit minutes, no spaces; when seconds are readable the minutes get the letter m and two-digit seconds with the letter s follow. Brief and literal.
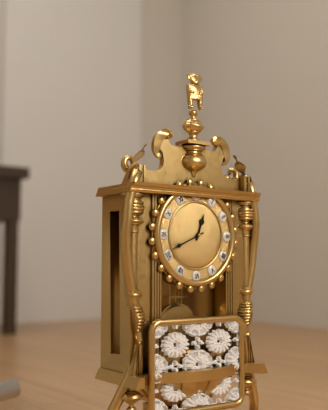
12h41
